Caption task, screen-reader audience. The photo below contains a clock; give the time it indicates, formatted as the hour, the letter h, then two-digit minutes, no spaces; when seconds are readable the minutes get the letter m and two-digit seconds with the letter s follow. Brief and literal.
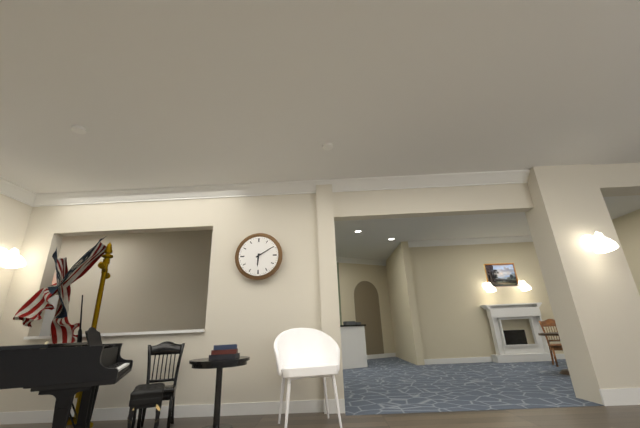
6h10
